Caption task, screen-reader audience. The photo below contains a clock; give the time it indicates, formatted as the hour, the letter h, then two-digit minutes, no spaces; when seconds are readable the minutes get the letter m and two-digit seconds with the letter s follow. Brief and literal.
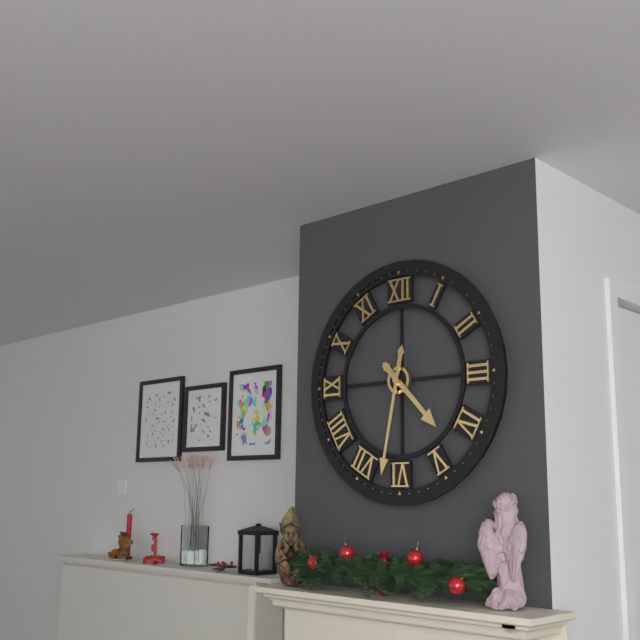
4h32
